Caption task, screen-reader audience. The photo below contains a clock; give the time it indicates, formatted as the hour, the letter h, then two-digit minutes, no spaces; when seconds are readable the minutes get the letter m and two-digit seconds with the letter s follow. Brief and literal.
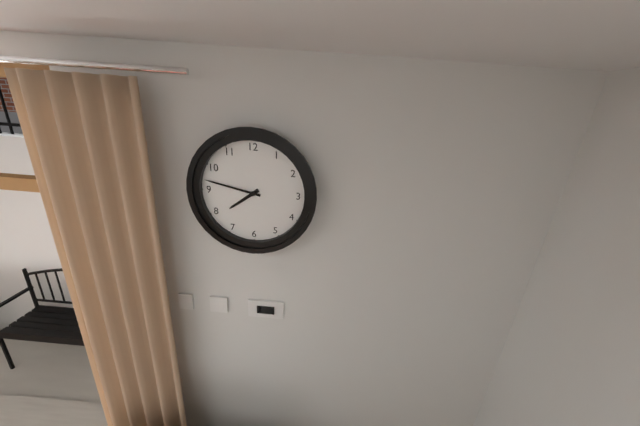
7h47
